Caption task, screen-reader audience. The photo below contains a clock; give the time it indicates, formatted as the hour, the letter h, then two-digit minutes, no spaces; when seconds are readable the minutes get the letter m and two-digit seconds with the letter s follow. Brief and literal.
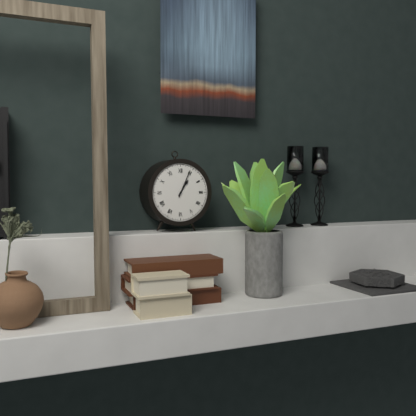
1h04
